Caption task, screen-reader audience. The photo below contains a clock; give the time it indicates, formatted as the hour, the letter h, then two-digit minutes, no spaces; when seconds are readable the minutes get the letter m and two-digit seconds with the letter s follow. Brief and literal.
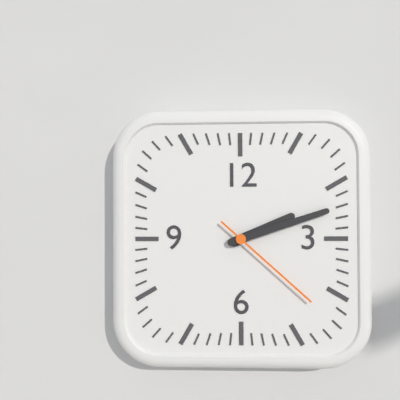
2h12m22s
